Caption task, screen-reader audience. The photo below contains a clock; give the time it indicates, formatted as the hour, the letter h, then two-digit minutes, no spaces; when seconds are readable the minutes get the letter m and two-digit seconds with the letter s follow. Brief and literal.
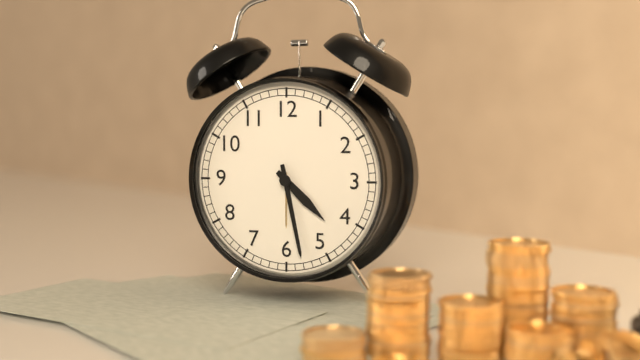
4h28
